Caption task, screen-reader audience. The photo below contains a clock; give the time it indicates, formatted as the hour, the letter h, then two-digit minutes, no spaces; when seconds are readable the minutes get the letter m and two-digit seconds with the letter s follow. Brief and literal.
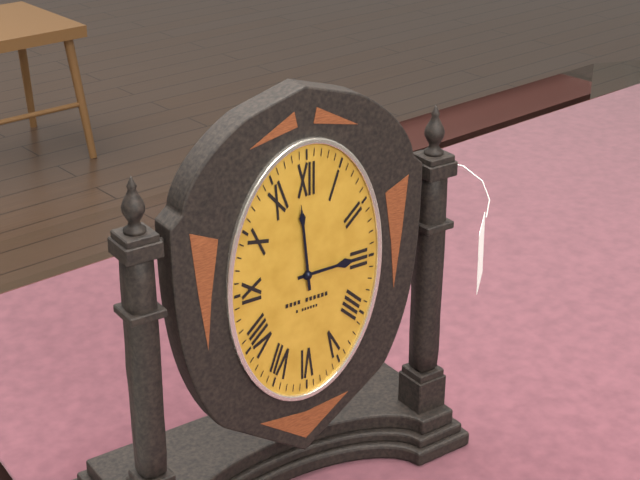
2h59
